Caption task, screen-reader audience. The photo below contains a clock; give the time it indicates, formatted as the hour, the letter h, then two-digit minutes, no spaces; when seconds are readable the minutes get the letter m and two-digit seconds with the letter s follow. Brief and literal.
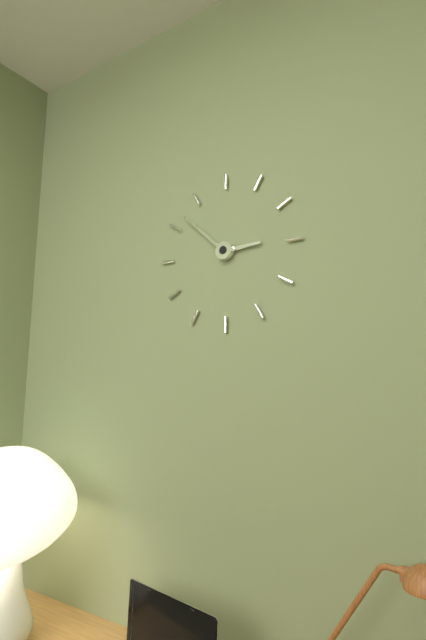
2h52
